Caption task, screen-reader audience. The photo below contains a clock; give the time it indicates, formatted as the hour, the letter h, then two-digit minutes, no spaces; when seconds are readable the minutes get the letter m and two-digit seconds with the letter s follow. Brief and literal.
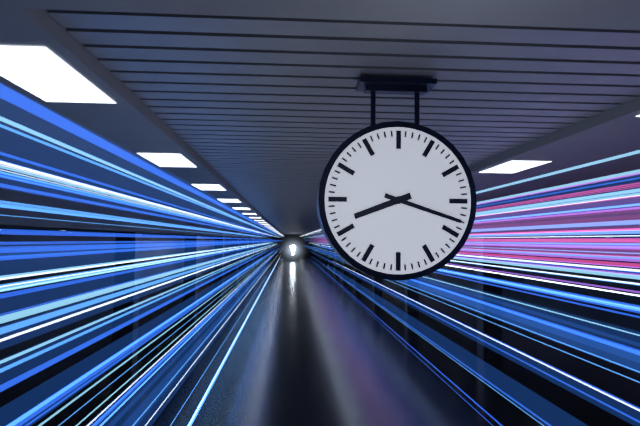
8h18
